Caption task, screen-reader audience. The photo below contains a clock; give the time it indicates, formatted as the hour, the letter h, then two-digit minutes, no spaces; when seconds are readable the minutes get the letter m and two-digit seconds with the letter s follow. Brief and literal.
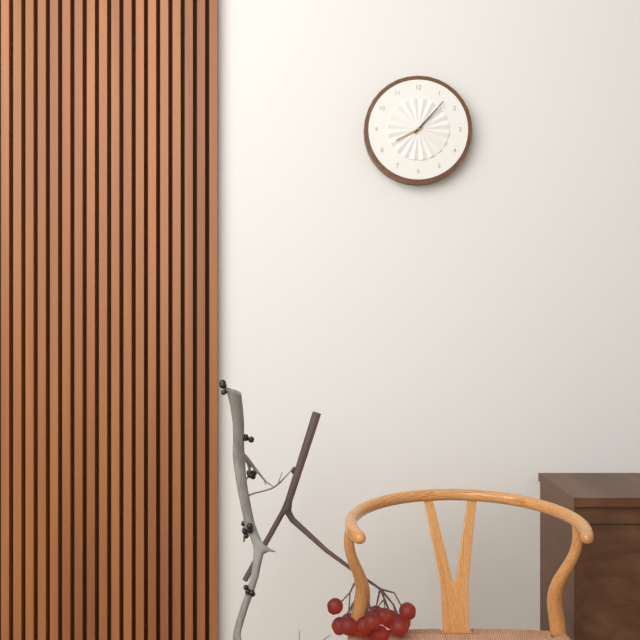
8h07
